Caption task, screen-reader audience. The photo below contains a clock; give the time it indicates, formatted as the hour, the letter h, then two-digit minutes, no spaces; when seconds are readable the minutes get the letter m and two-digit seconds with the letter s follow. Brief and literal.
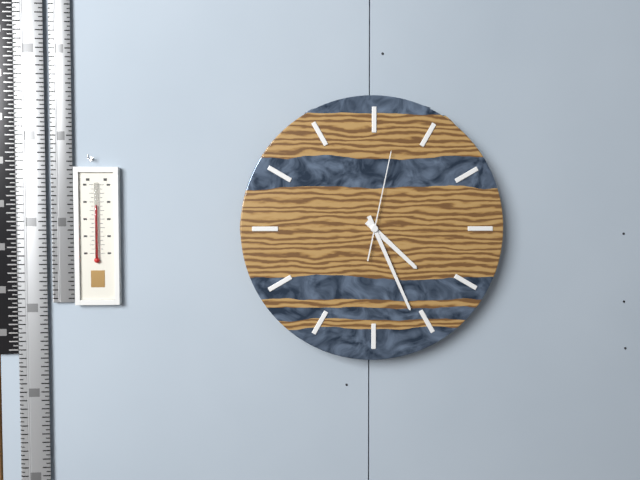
4h26m02s
